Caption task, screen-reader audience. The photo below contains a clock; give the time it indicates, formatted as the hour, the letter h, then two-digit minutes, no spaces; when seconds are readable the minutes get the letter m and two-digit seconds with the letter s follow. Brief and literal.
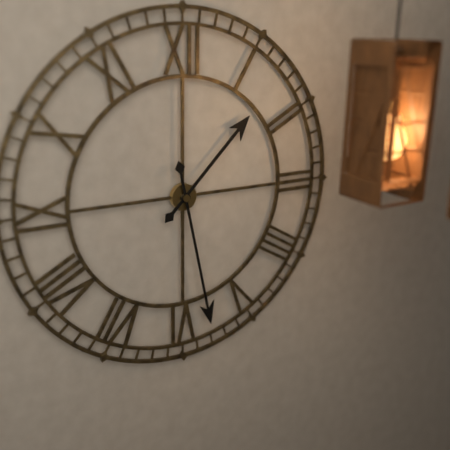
1h28
